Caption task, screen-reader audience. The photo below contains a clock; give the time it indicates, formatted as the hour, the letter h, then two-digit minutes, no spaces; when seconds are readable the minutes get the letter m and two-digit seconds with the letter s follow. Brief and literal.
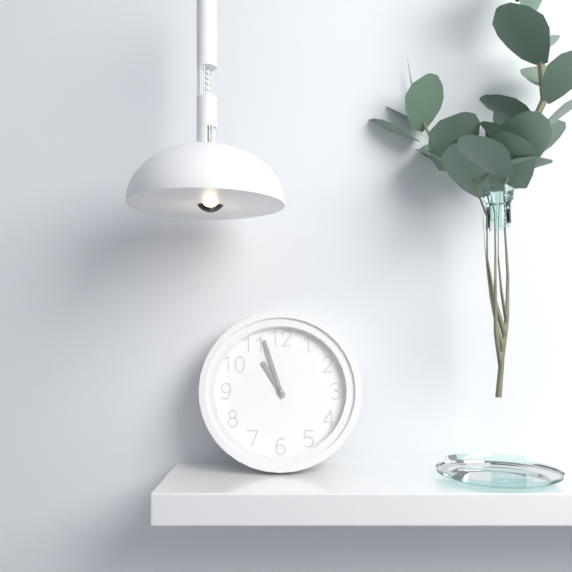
10h57
